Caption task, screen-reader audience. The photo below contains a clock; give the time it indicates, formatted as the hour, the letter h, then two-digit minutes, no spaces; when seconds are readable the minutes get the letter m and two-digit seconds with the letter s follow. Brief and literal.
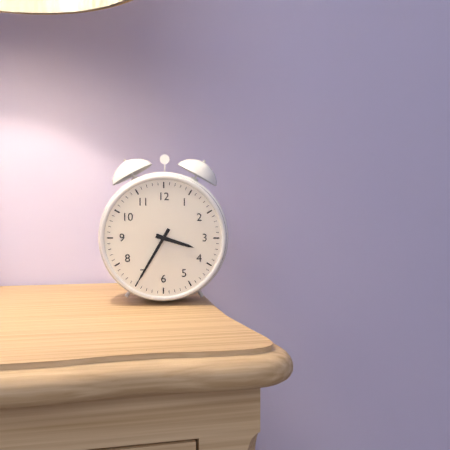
3h35
